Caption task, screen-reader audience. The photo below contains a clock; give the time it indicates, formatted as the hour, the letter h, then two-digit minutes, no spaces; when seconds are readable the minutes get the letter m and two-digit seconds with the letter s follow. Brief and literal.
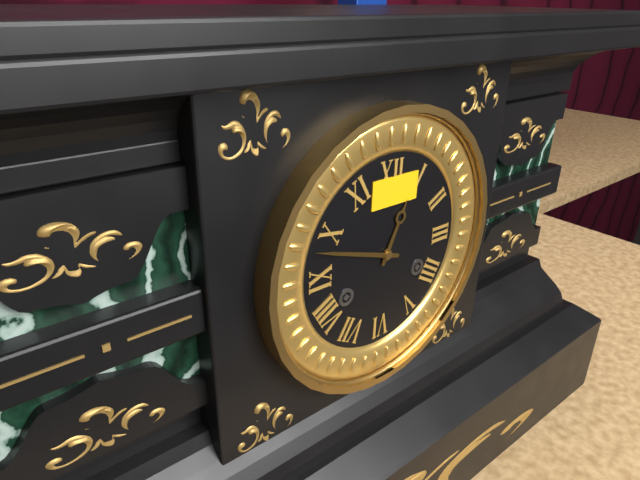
12h48
